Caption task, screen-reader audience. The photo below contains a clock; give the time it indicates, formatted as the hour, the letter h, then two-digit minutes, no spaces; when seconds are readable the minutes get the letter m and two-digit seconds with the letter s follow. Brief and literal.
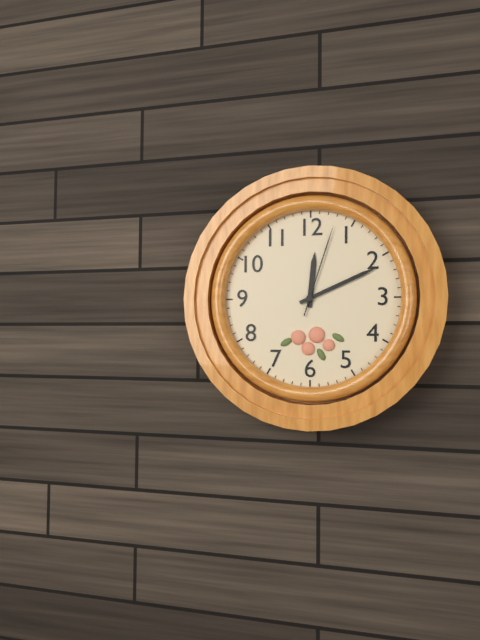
12h11m03s
